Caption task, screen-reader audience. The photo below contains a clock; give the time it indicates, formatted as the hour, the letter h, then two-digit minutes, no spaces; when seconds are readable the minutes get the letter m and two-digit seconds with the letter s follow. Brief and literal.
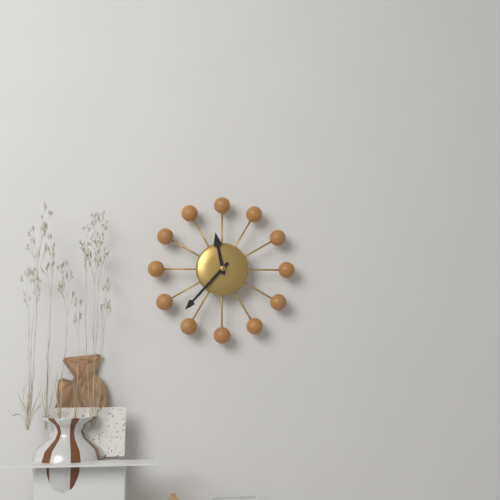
11h37
